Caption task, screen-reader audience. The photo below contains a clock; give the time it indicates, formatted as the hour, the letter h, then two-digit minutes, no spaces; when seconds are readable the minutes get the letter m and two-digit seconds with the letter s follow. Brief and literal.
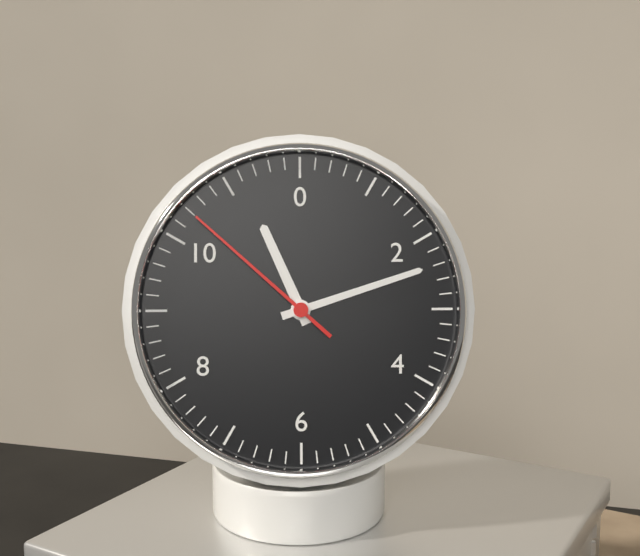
11h12m52s
